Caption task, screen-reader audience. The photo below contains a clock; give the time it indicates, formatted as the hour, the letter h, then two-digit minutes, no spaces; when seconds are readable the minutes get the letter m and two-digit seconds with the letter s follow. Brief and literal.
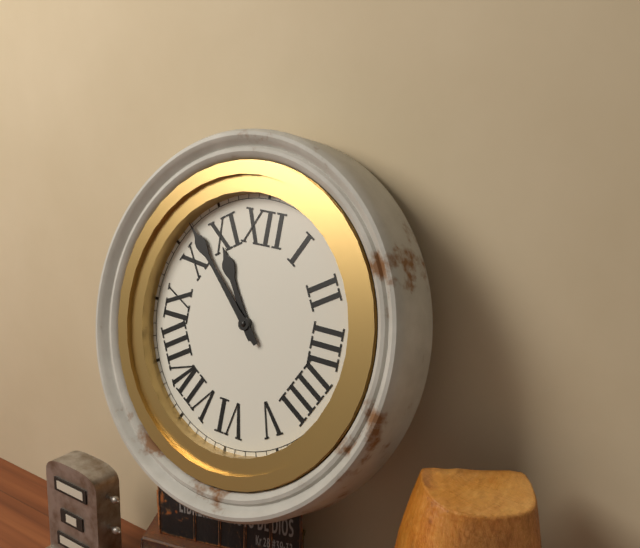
10h52
